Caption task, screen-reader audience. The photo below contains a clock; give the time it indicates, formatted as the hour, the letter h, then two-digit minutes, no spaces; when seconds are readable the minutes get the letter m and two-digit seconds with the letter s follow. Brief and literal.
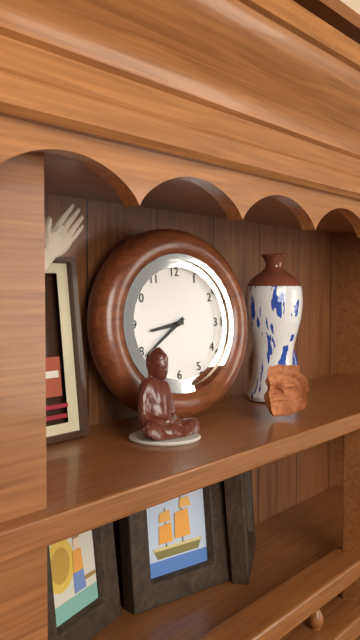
8h39
